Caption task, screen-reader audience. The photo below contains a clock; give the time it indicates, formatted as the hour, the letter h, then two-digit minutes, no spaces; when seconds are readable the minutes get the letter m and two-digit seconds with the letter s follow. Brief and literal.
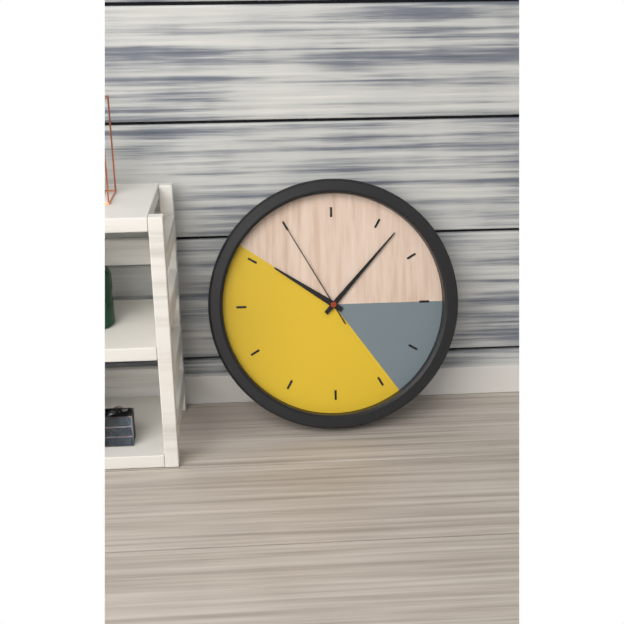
10h07m55s
